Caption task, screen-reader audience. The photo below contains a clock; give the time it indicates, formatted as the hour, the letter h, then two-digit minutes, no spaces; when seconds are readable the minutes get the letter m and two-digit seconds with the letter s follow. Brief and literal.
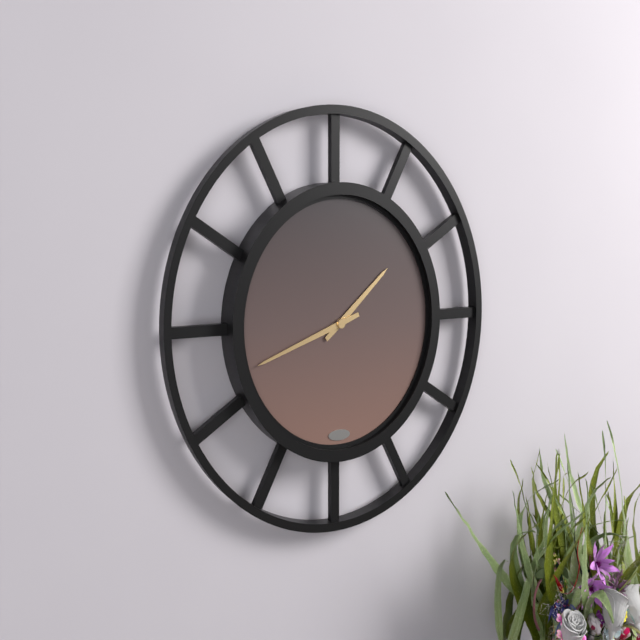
1h42
